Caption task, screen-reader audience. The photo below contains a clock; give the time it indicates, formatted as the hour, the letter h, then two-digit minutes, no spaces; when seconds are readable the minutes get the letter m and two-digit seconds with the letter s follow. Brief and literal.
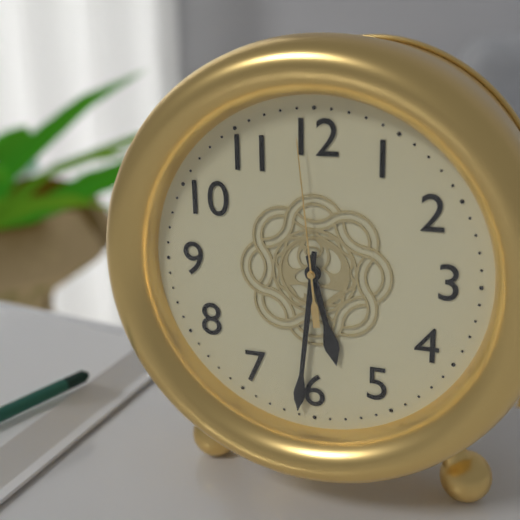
5h31m59s
